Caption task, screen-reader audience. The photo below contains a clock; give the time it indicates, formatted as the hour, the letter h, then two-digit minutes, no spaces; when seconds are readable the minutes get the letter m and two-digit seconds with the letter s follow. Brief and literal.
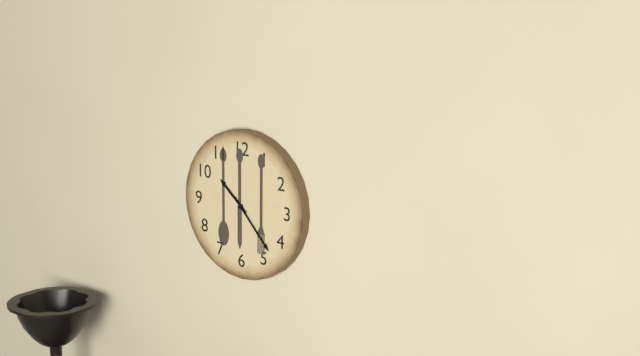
10h23
